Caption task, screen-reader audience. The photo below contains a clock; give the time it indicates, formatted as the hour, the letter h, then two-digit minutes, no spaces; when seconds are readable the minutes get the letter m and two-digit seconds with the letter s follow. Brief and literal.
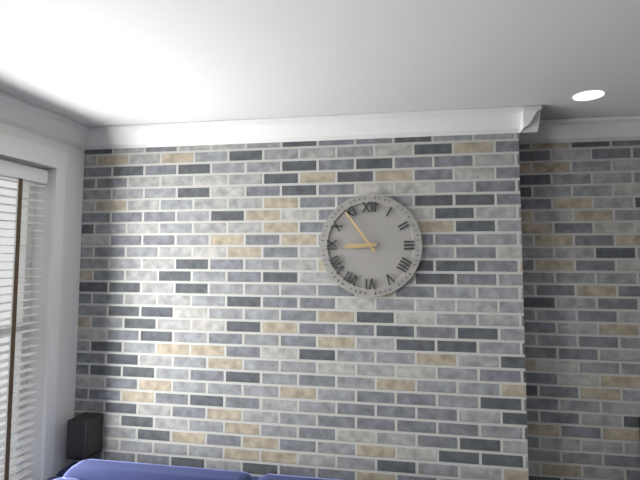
8h54
